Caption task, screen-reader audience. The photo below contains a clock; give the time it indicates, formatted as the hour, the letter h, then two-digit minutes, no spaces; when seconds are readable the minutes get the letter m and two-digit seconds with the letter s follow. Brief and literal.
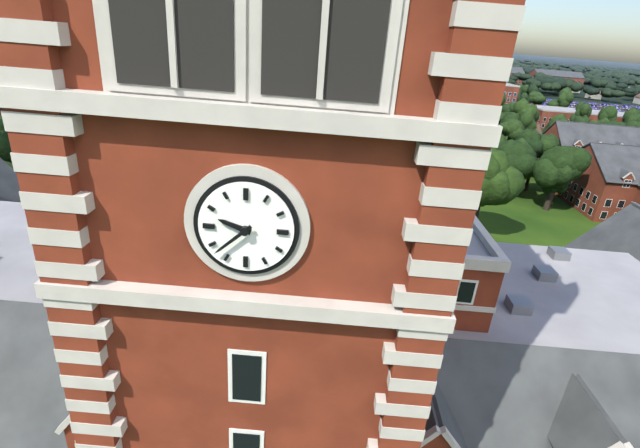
9h38
